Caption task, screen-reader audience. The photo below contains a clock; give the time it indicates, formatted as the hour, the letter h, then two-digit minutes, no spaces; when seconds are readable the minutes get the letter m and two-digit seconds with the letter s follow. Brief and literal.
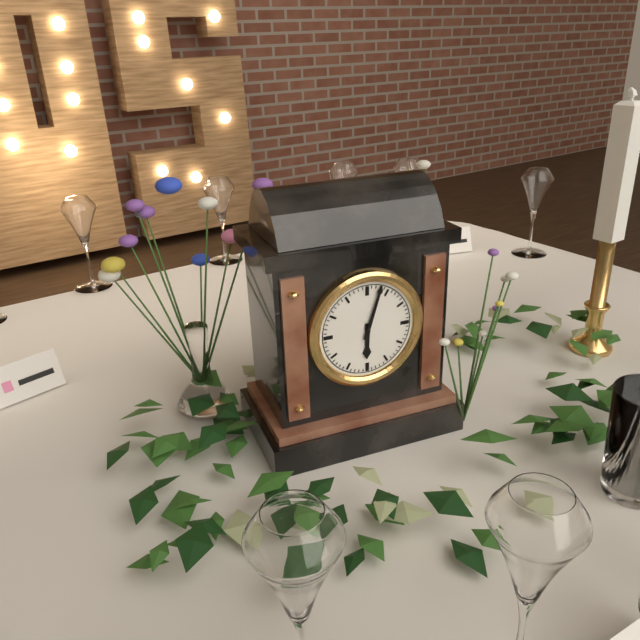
6h03
